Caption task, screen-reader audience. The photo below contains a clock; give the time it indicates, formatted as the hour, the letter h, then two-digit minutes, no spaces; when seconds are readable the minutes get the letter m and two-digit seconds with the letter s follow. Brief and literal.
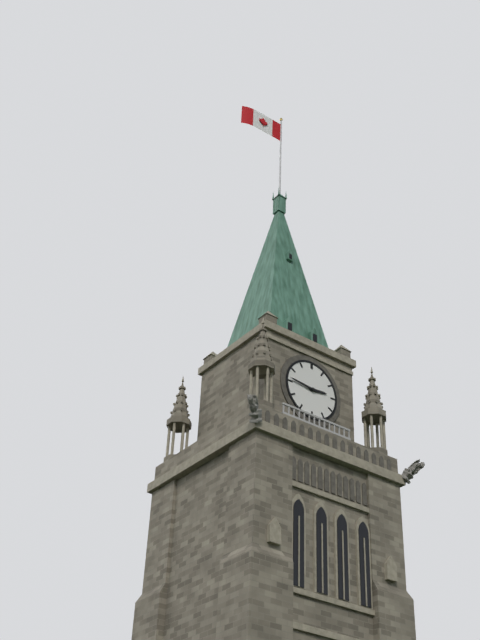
2h46
